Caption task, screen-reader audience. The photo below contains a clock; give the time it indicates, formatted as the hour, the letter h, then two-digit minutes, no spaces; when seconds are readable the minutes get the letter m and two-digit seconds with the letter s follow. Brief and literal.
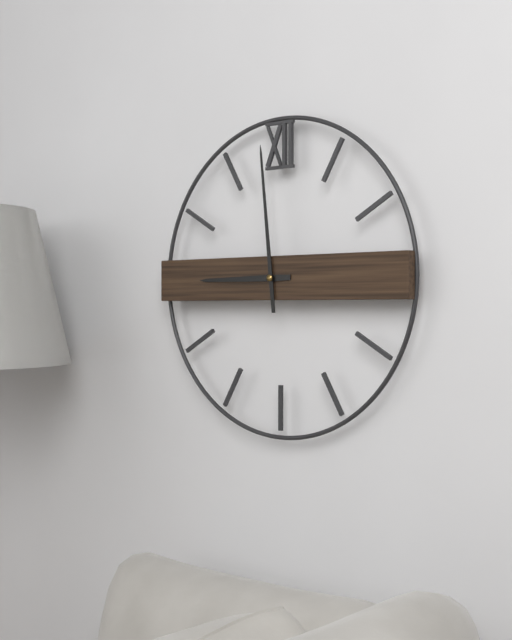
8h59
